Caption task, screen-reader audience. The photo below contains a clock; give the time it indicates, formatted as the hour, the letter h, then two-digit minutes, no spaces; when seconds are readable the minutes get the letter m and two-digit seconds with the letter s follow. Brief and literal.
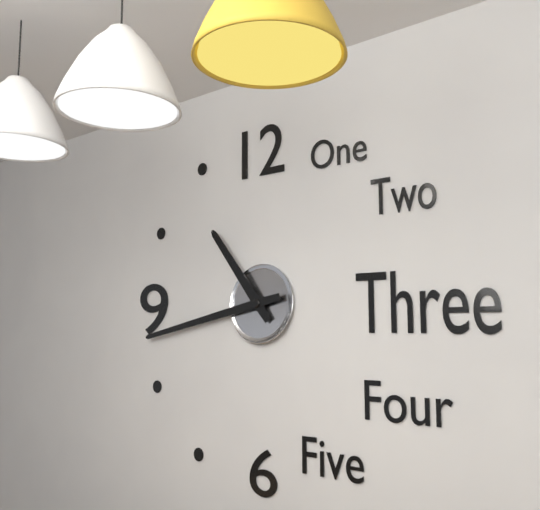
10h43
